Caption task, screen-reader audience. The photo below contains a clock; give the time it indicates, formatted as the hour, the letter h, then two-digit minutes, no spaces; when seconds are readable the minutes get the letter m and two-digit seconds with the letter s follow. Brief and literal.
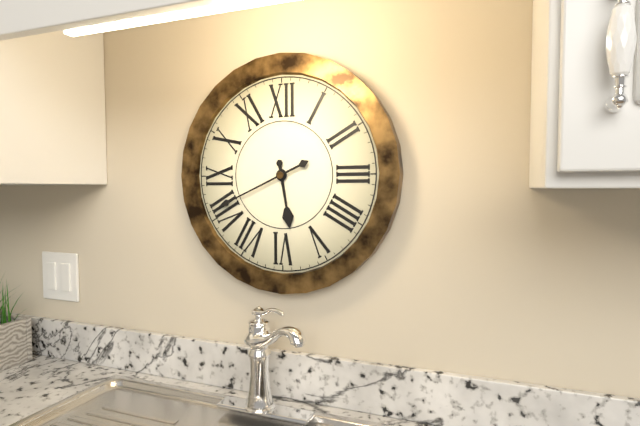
5h41
